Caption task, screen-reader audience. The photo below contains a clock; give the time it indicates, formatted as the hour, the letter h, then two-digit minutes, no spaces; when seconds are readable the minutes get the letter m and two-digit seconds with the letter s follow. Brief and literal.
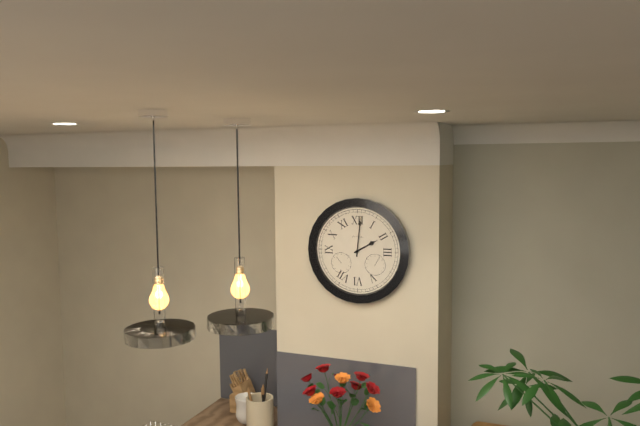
2h01
